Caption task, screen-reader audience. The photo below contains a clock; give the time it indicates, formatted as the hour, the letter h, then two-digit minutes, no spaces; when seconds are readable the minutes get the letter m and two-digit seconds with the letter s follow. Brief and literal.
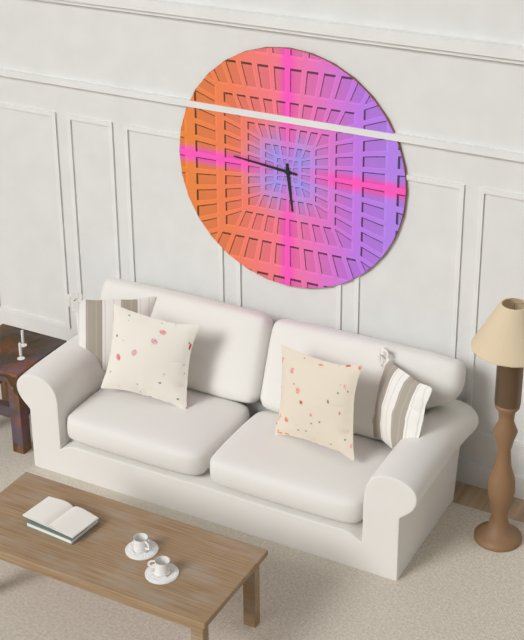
5h46
